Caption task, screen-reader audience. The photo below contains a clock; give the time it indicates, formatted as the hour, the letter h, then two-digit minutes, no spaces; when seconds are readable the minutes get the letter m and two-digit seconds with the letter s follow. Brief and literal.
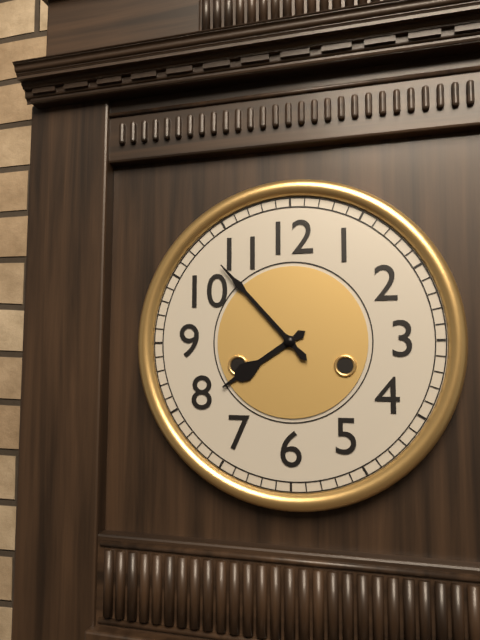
7h53
